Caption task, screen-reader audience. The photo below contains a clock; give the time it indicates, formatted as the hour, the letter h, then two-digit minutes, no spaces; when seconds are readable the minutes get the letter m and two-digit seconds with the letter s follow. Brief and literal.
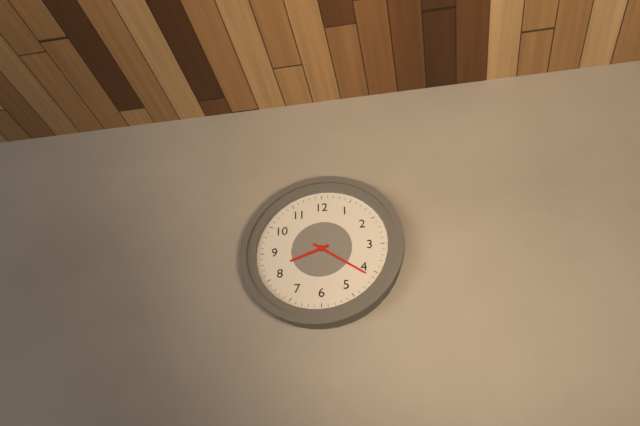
8h21
